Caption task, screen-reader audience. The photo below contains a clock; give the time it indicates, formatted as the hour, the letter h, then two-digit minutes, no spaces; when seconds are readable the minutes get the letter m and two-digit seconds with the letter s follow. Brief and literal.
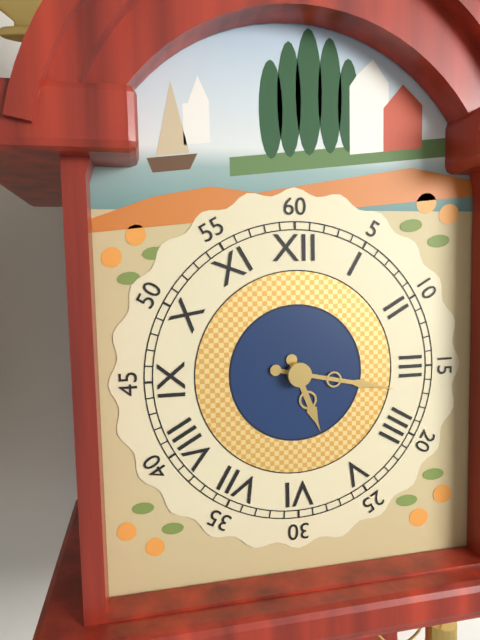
5h17
